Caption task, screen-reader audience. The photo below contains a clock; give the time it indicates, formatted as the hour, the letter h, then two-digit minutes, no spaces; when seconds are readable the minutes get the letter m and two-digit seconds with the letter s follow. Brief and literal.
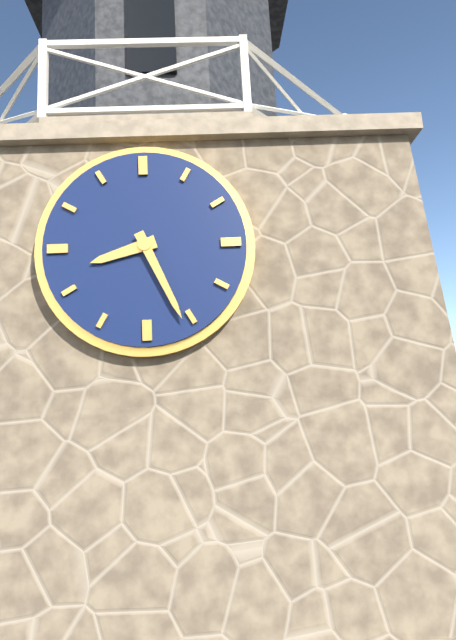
8h26
